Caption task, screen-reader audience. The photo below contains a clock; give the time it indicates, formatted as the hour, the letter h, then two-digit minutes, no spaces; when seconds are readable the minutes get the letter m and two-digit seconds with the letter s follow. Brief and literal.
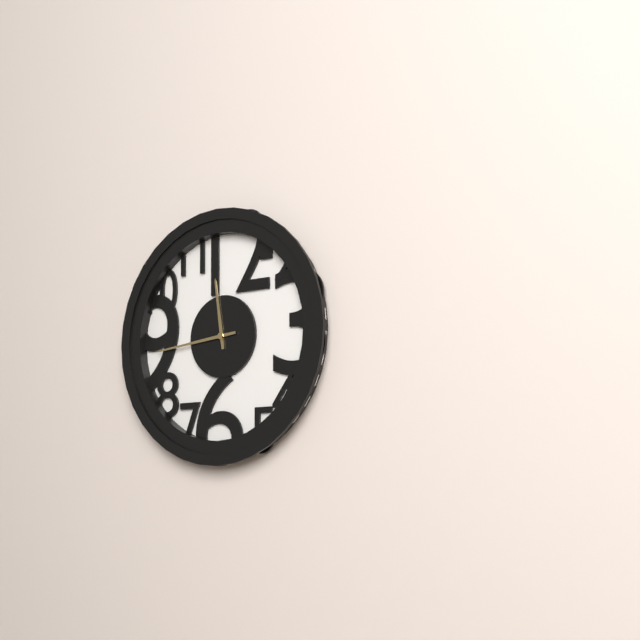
11h44
